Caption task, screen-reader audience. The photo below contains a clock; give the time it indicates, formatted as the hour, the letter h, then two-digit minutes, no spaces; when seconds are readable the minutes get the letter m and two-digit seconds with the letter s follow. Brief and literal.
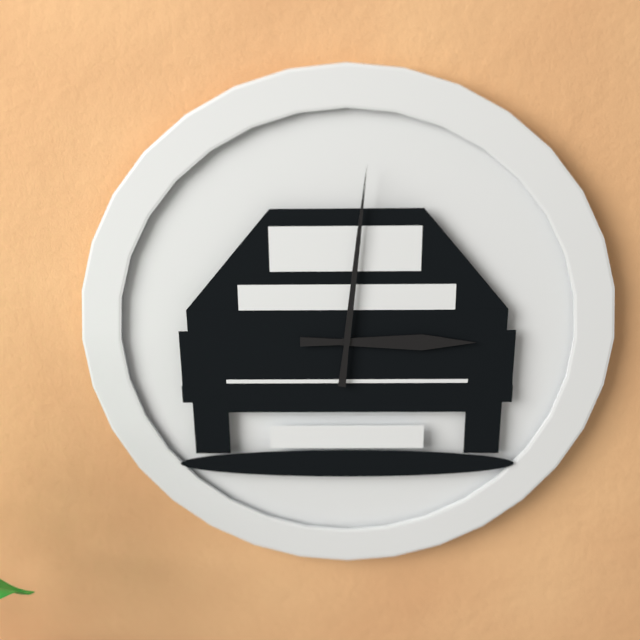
3h01
